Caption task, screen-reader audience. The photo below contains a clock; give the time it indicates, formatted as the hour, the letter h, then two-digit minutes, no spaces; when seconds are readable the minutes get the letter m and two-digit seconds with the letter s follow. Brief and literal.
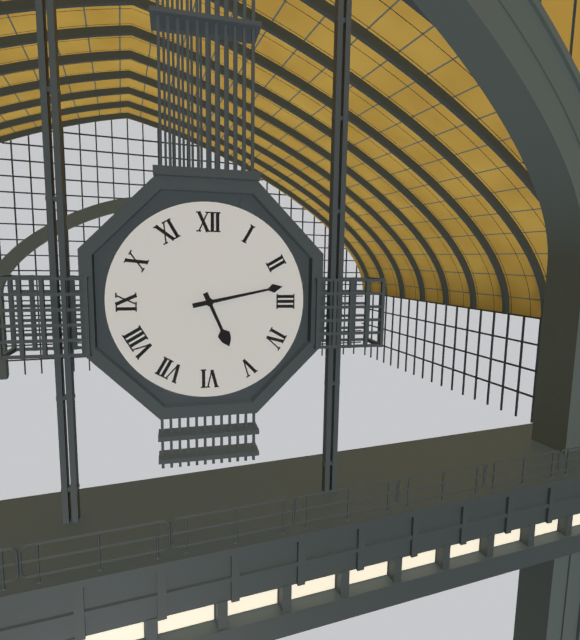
5h13
